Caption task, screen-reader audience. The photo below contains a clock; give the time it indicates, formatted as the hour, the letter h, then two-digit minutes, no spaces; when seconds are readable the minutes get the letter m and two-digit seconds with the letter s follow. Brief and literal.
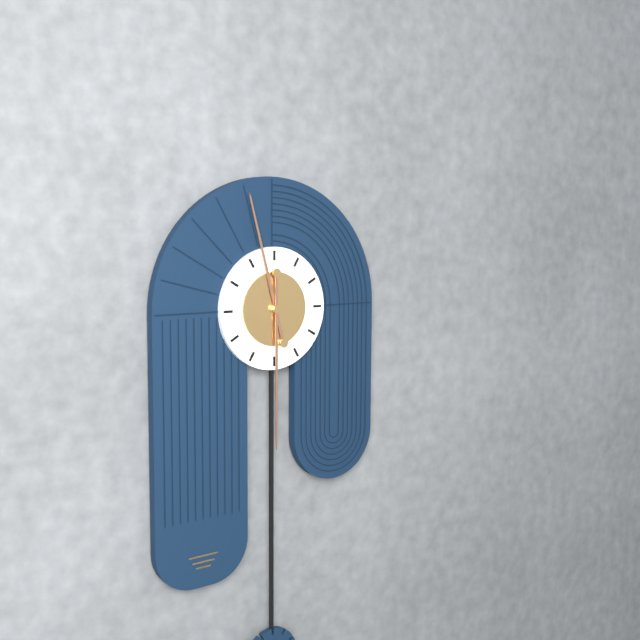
11h30
